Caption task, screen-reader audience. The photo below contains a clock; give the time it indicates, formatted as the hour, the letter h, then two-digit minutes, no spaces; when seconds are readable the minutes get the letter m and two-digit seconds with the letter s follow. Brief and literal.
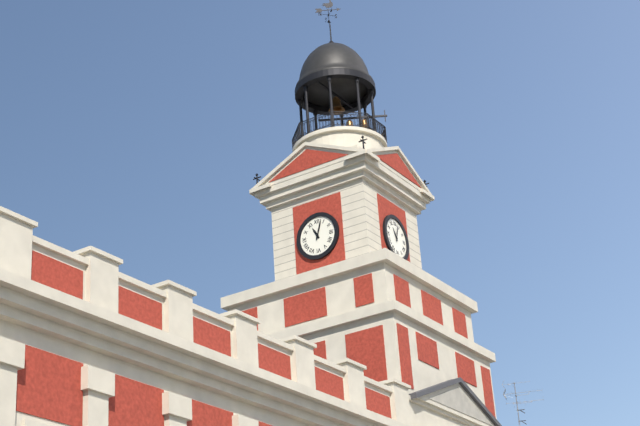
11h03
